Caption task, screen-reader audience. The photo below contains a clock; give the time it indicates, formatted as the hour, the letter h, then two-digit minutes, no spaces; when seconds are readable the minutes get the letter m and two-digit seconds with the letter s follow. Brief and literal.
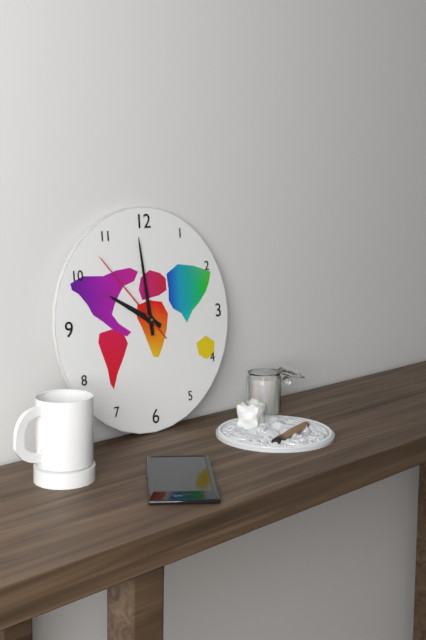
9h59m53s
